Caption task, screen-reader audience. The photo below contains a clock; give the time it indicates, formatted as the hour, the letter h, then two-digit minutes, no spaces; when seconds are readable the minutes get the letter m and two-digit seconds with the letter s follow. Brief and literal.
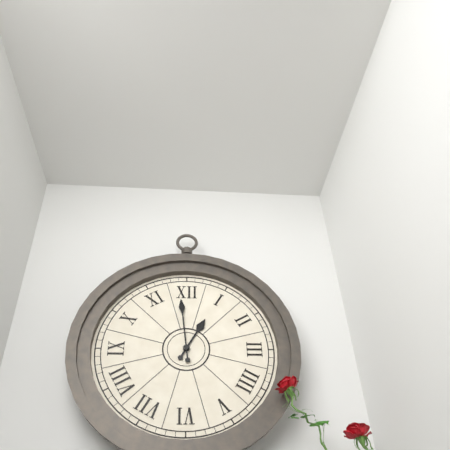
12h59
